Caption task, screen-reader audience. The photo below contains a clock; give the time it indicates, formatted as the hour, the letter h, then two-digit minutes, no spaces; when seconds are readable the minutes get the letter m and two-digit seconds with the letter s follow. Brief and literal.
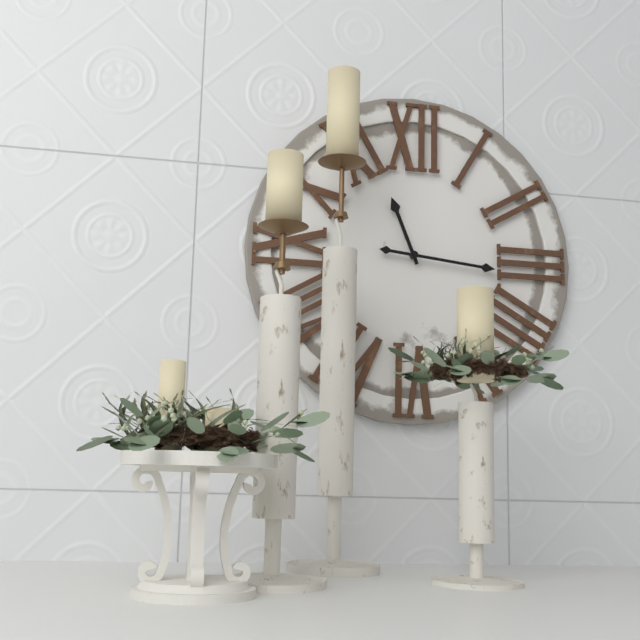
11h16
